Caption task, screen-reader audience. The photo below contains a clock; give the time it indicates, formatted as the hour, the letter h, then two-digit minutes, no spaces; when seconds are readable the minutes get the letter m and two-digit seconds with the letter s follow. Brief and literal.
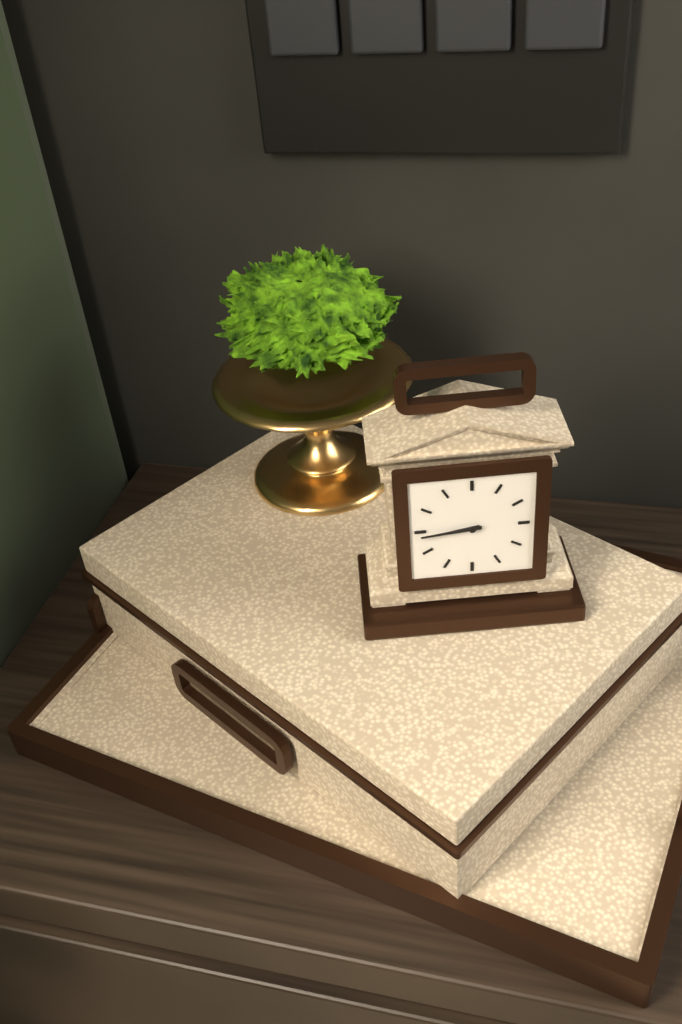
8h44
